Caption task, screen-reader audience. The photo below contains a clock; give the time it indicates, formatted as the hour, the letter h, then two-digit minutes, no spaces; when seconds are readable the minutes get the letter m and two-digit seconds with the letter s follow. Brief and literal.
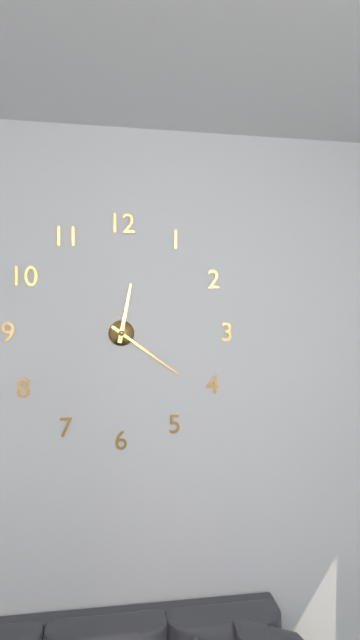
12h21
